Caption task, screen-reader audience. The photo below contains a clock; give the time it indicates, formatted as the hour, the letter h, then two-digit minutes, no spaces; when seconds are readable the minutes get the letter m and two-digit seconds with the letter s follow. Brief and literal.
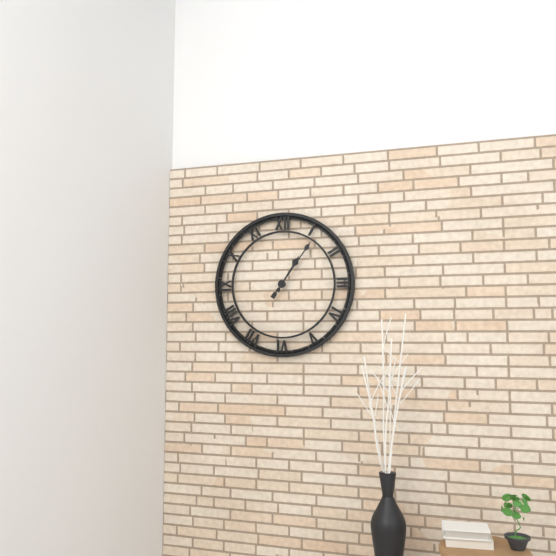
1h06
